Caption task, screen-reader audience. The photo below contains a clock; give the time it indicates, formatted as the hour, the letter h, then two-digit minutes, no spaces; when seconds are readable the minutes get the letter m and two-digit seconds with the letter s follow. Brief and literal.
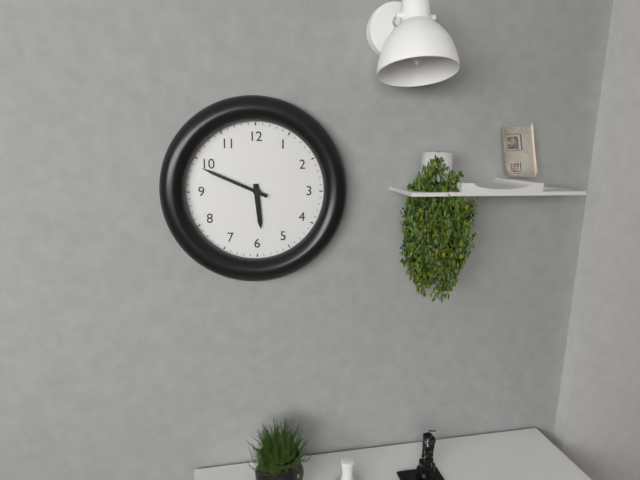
5h49
